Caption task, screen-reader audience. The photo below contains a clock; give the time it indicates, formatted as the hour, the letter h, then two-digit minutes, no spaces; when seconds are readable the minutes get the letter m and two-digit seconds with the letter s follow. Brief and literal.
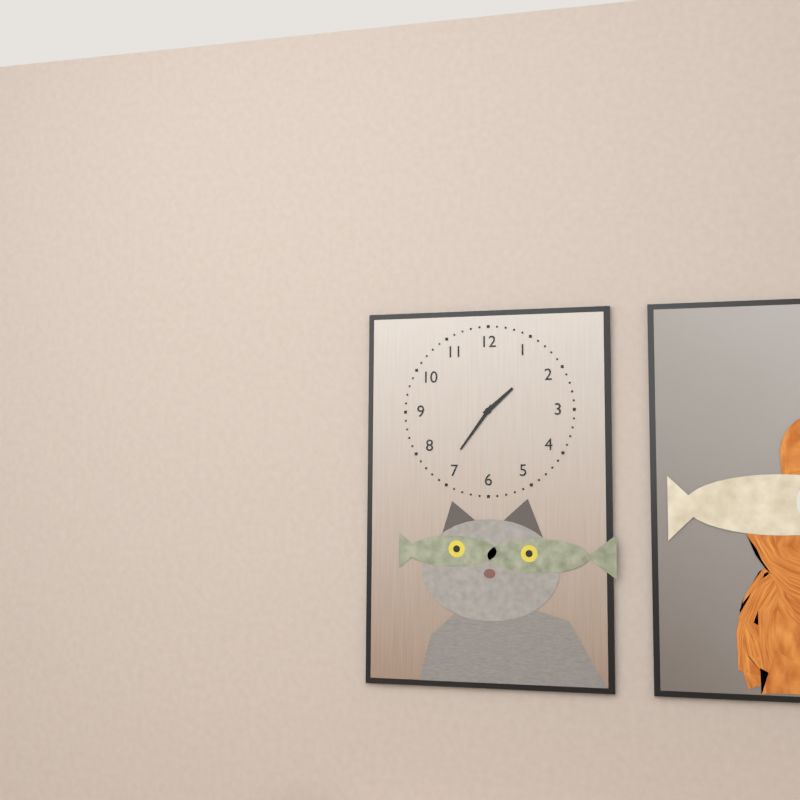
1h36
